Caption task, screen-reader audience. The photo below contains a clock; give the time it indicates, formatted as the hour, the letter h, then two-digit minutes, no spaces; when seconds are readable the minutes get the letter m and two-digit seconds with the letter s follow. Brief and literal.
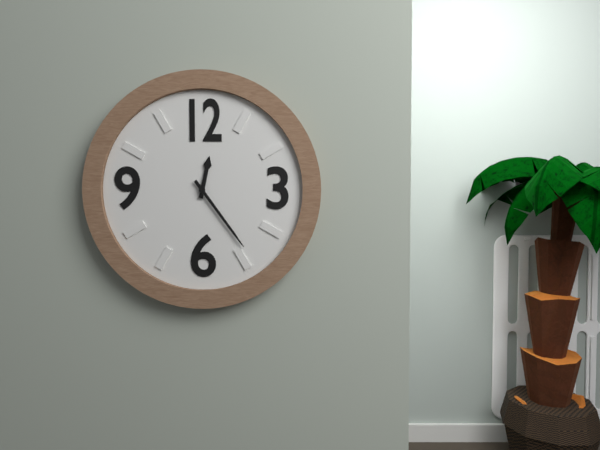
12h24
